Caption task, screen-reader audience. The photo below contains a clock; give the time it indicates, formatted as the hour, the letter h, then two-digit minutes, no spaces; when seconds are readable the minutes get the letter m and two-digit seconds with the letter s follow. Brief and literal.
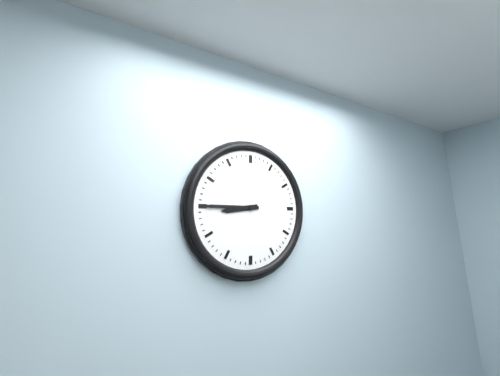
8h45
